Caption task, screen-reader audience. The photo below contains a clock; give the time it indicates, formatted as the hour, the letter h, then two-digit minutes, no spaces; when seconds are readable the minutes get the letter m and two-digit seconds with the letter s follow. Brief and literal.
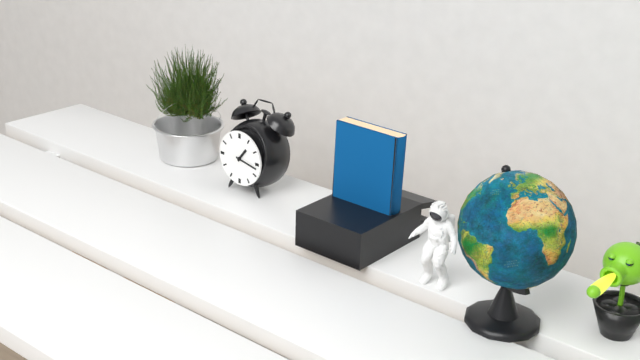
1h17
